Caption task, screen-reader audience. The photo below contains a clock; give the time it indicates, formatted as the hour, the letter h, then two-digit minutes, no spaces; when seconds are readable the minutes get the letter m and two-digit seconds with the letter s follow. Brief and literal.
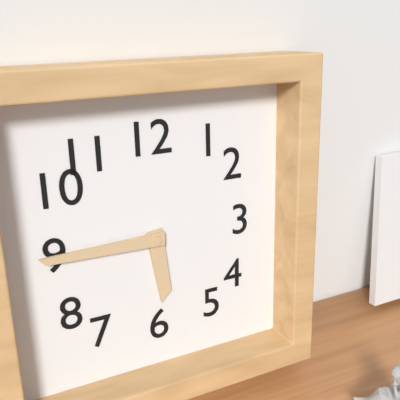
5h45
